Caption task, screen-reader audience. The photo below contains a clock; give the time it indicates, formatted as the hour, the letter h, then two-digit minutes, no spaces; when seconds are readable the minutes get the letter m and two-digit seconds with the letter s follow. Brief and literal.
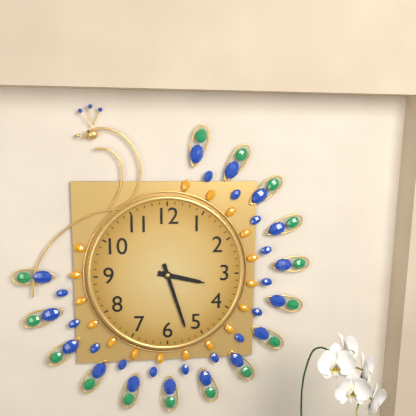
3h27
